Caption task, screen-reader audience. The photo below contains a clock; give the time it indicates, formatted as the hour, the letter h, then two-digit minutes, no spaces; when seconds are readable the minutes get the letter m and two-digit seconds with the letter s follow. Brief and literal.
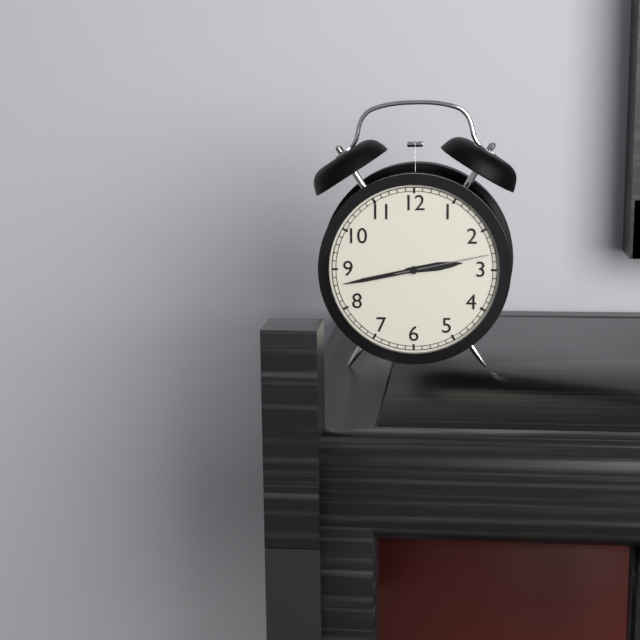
2h43m13s
